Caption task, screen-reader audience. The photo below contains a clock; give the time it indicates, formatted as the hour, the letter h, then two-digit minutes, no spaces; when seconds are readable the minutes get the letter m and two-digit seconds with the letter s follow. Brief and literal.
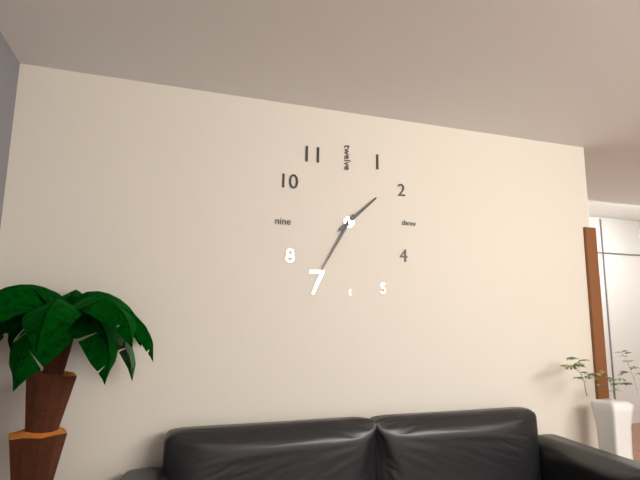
1h35
